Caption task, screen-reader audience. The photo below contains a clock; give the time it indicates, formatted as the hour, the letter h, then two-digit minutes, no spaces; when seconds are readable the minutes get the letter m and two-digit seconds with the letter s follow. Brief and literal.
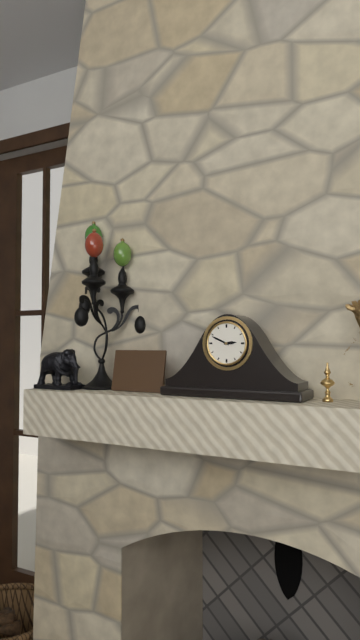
2h49
